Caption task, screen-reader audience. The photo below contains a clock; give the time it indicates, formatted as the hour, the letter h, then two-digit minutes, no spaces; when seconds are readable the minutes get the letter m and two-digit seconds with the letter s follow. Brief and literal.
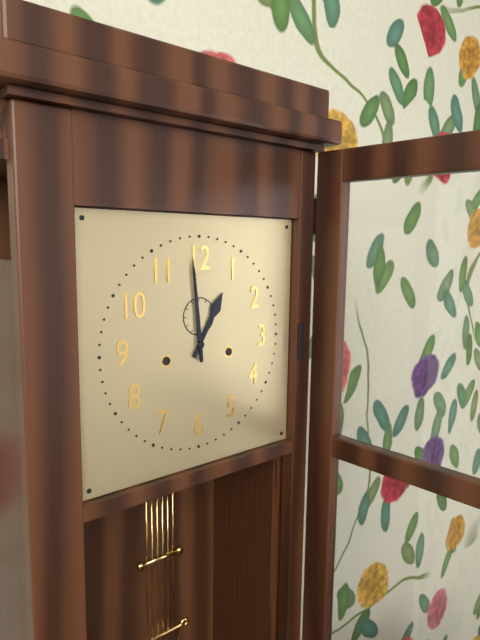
12h59
